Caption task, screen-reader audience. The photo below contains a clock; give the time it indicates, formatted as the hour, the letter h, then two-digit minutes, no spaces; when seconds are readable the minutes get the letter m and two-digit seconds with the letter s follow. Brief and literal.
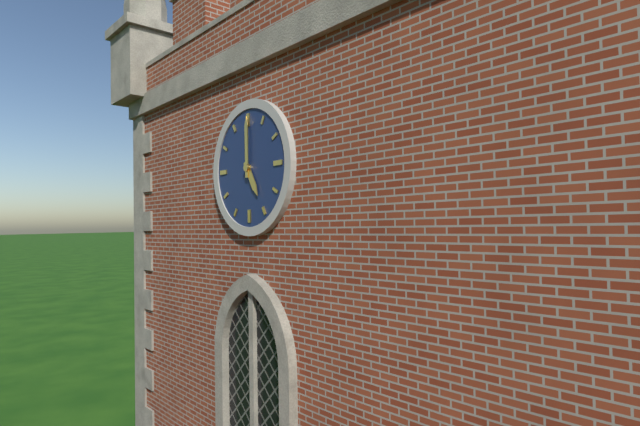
5h00
